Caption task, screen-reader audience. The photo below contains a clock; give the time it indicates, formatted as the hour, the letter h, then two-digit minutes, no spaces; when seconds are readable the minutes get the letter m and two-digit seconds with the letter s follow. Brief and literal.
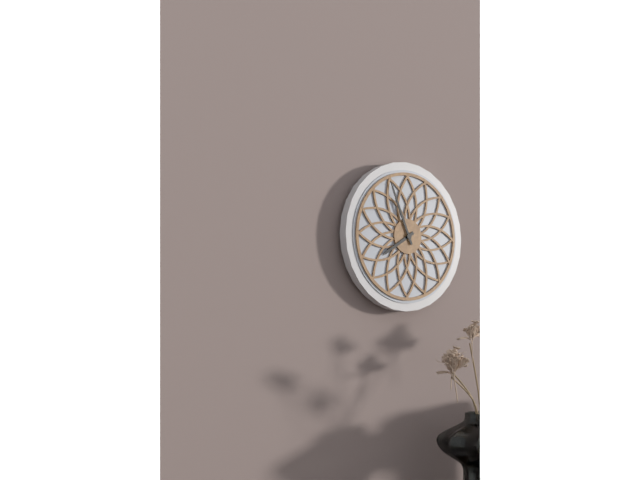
7h56
